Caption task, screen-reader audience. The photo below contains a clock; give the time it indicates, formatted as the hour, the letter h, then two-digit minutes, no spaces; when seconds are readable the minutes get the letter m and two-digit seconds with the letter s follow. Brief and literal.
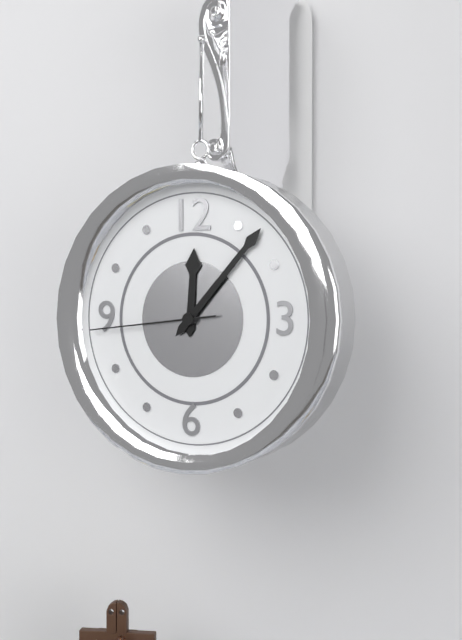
12h07m44s
